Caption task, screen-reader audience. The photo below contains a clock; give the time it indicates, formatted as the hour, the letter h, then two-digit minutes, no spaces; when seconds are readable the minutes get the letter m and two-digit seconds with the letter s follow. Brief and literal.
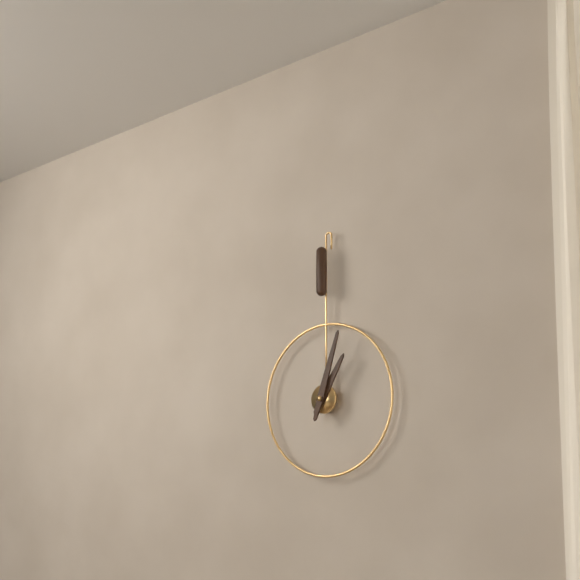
1h03
